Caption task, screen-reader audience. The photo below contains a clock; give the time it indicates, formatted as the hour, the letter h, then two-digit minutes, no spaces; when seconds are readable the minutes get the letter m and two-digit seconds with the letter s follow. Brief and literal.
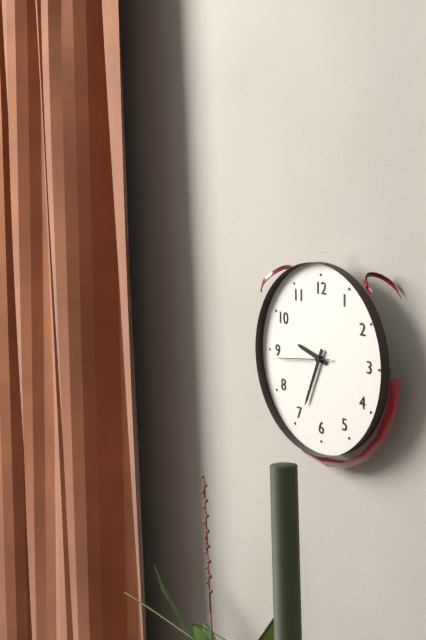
9h34m44s
